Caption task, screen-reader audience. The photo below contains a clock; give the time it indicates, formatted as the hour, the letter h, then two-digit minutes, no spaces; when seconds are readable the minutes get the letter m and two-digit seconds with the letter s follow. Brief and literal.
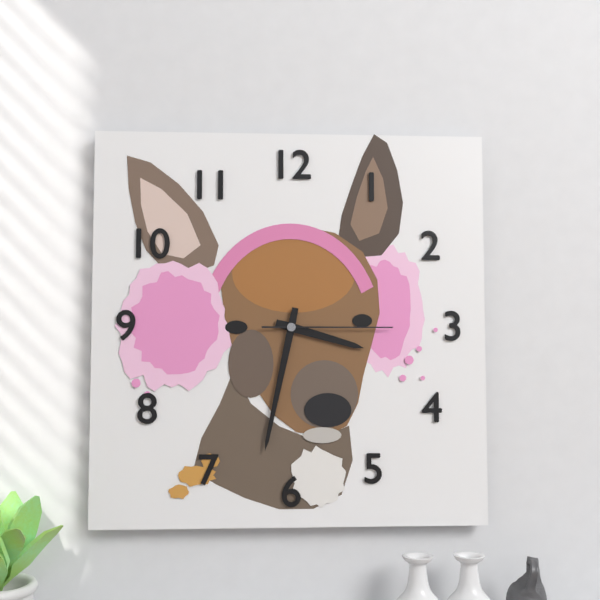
3h32m15s
